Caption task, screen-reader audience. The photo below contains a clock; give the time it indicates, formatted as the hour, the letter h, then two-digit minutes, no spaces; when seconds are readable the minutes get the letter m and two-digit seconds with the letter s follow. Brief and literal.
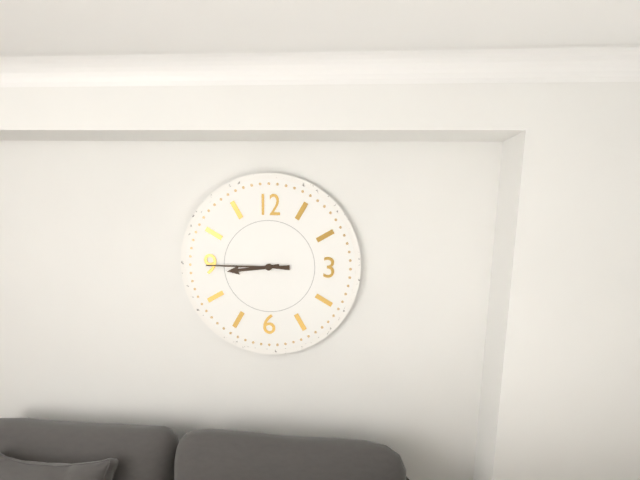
8h45
